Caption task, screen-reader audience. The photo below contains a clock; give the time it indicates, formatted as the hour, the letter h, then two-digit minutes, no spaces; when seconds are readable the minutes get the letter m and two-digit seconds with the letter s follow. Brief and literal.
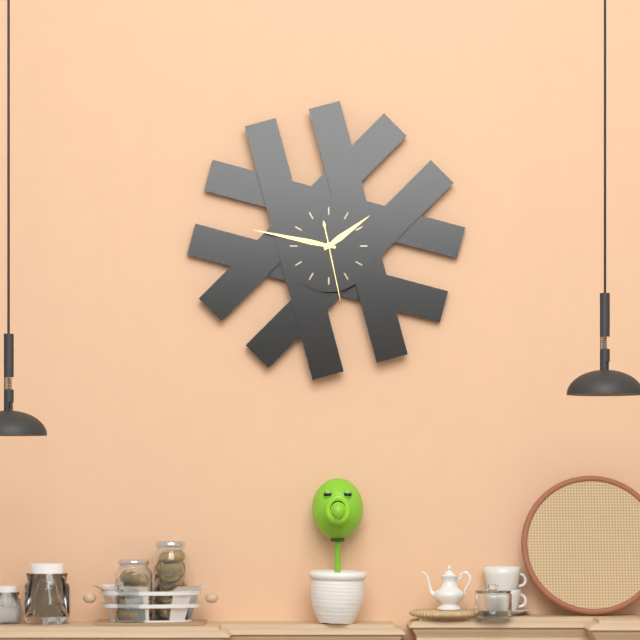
1h47m28s
